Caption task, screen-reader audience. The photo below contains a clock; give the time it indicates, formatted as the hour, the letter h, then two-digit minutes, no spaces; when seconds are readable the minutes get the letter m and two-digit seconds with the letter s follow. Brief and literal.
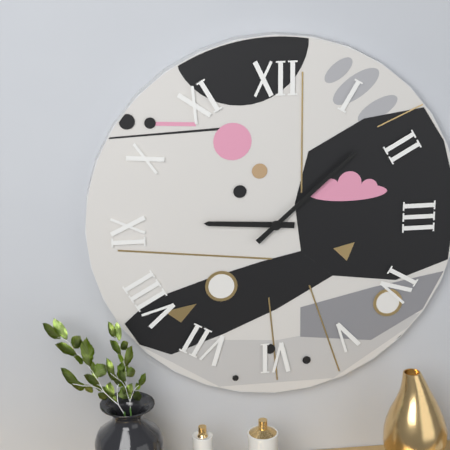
9h08
